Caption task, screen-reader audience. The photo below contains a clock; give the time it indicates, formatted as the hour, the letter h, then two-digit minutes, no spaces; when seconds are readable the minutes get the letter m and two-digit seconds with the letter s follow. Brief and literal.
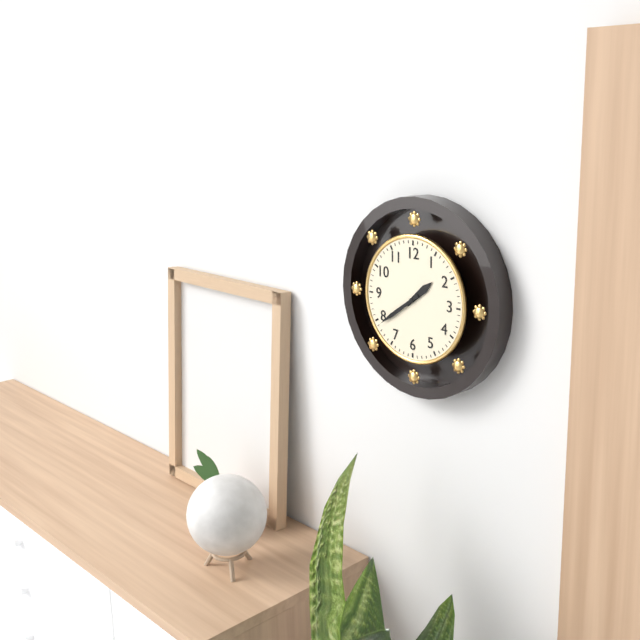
1h39
